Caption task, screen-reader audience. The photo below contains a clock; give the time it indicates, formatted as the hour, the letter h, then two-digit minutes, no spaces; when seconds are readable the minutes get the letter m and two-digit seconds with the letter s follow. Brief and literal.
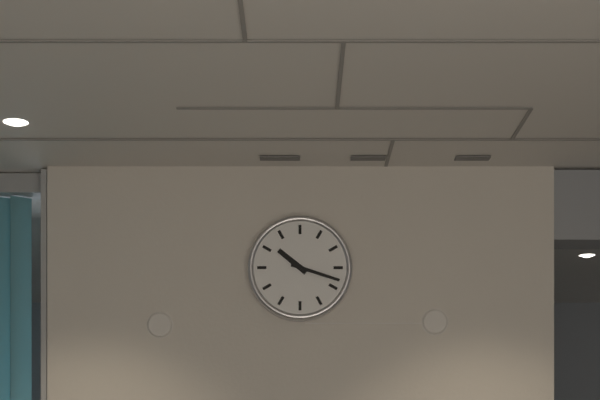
10h18
